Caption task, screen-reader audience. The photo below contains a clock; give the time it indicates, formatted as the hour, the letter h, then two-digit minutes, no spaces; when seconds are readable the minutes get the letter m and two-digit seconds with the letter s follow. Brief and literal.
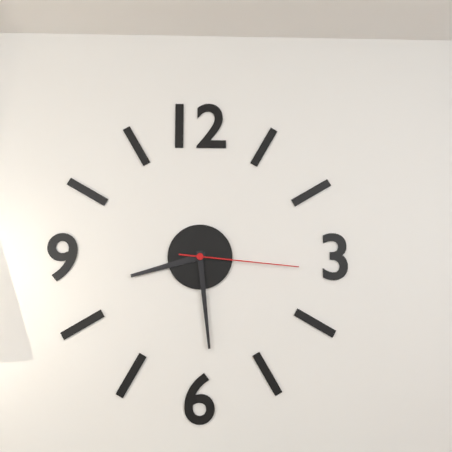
8h29m16s
